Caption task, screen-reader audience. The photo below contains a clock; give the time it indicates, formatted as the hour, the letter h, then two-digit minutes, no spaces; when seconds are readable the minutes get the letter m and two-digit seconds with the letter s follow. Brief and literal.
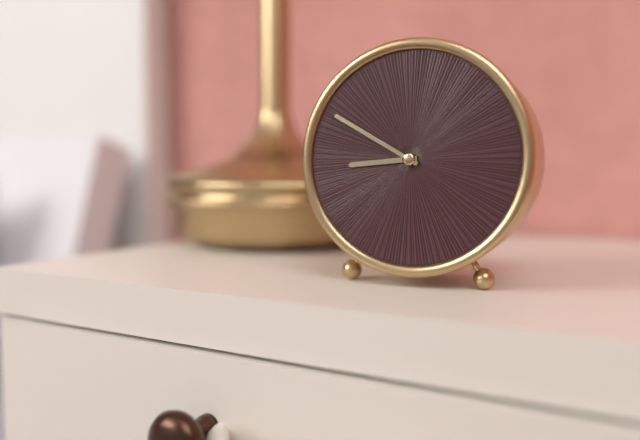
8h50
